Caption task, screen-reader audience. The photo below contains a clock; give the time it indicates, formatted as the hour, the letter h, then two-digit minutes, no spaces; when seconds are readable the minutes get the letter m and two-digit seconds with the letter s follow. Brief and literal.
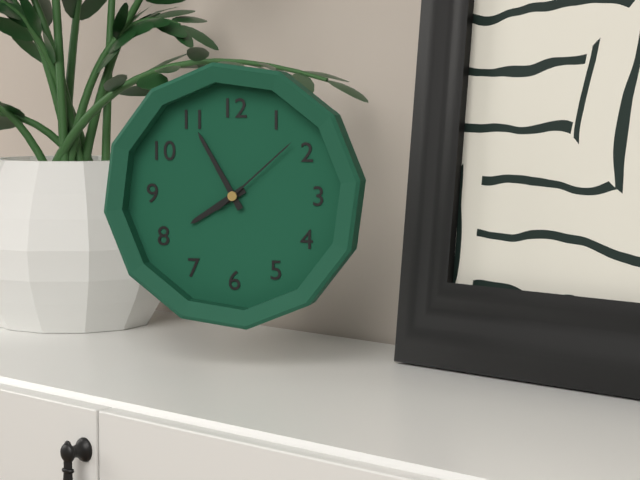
7h55m08s
